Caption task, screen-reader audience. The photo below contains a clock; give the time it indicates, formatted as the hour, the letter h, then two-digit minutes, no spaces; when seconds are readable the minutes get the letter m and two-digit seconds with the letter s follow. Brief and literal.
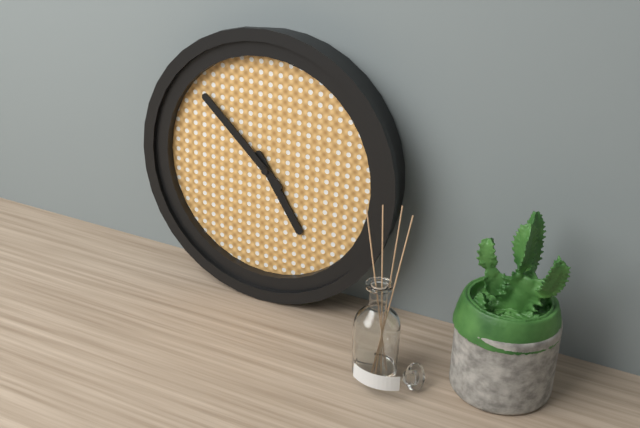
4h52
